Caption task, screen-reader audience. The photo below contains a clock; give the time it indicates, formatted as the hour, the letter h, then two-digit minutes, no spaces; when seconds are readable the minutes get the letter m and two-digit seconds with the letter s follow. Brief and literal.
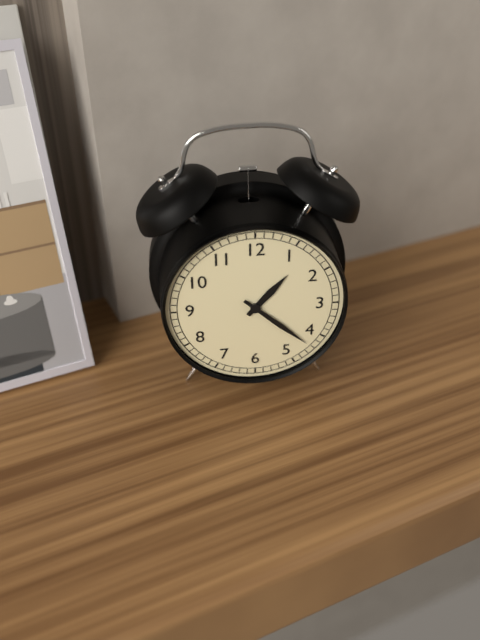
1h22
